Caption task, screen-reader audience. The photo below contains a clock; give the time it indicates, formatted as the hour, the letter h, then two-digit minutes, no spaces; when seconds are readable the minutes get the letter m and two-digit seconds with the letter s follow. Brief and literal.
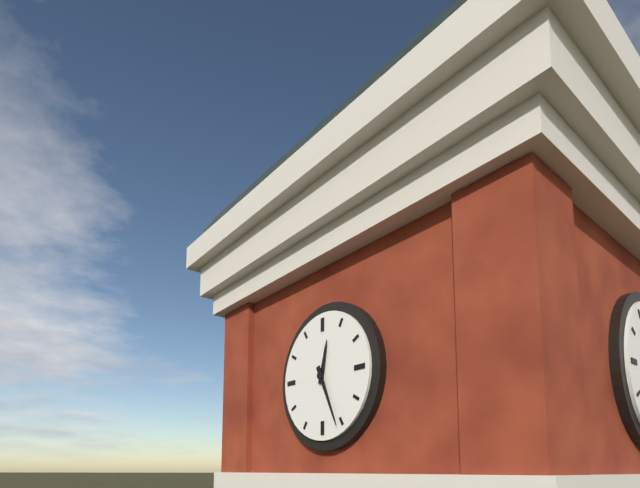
12h26
